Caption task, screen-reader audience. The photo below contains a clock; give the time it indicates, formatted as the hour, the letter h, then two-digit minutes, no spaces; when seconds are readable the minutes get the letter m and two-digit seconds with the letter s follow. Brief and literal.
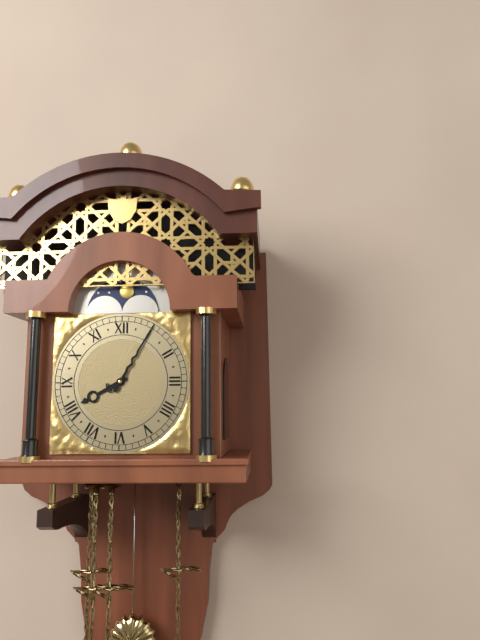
8h05
